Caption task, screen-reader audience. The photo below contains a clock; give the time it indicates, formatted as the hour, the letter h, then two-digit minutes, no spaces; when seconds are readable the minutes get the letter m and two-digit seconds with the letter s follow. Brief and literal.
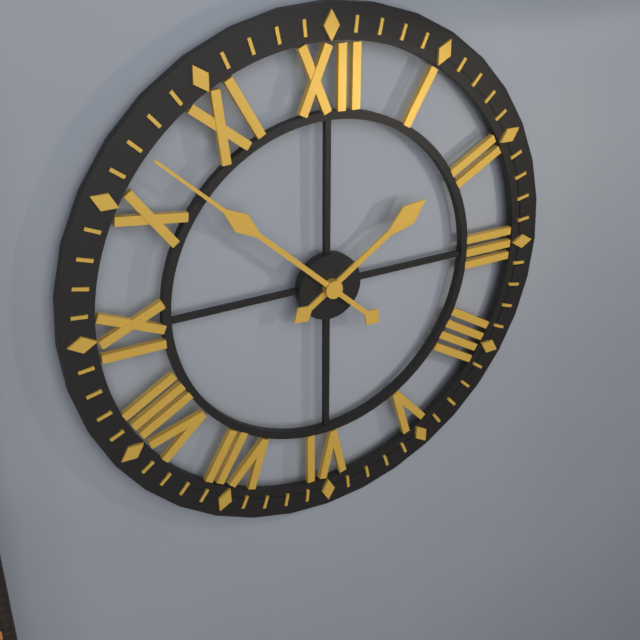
1h52
